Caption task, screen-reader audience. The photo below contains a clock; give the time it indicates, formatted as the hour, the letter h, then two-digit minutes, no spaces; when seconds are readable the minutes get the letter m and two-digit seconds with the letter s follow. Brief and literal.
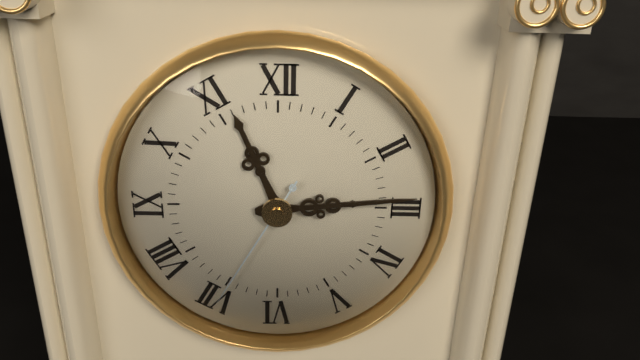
11h14m35s
